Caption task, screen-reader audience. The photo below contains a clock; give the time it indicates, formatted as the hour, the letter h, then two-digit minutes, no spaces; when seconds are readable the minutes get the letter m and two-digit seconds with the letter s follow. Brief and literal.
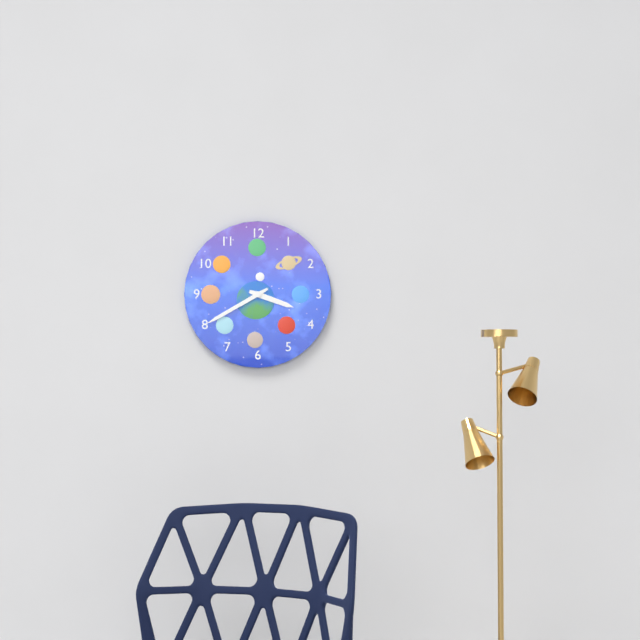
3h40
